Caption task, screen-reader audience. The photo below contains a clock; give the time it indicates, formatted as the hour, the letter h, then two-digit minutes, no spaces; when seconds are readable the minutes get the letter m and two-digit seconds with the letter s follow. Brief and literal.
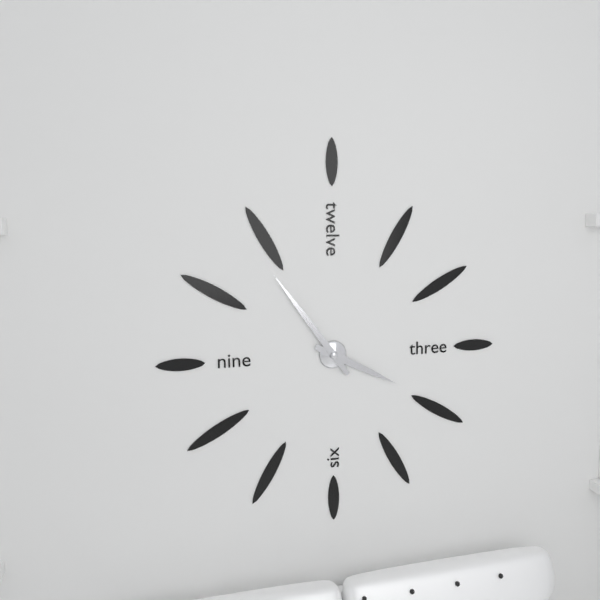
3h54
